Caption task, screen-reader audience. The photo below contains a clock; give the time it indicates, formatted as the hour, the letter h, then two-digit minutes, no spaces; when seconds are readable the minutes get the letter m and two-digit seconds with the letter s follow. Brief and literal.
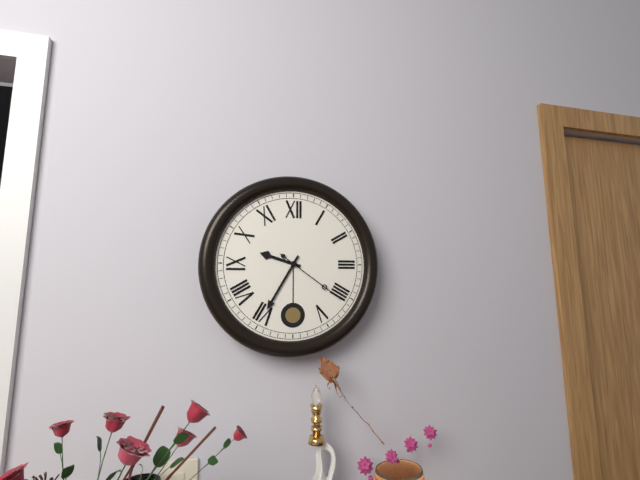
9h35m21s
